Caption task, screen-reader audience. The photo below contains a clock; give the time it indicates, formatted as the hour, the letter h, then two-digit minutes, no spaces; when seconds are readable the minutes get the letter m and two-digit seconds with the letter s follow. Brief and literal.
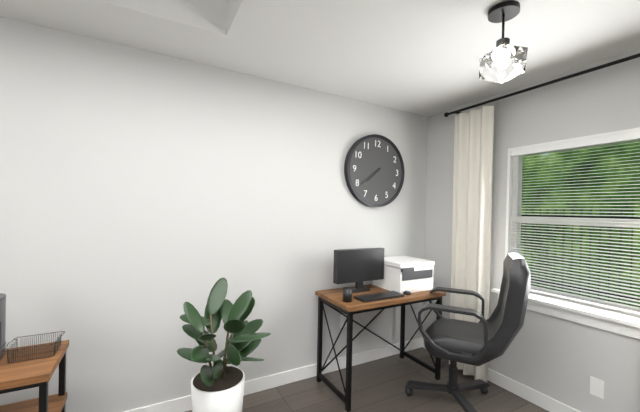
7h39
